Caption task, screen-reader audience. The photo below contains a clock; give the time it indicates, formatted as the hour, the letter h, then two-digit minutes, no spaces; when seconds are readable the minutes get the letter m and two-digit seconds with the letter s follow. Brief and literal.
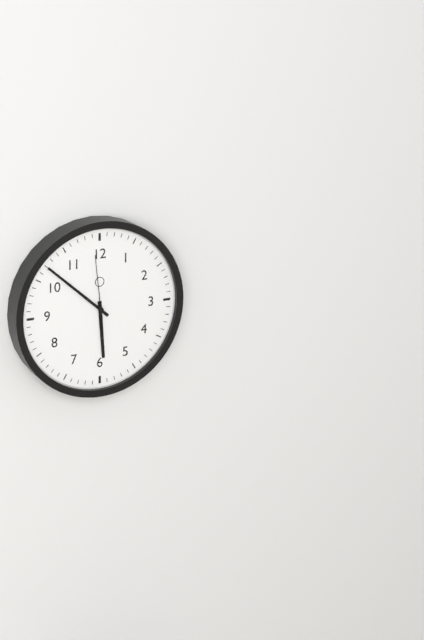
5h52m59s
